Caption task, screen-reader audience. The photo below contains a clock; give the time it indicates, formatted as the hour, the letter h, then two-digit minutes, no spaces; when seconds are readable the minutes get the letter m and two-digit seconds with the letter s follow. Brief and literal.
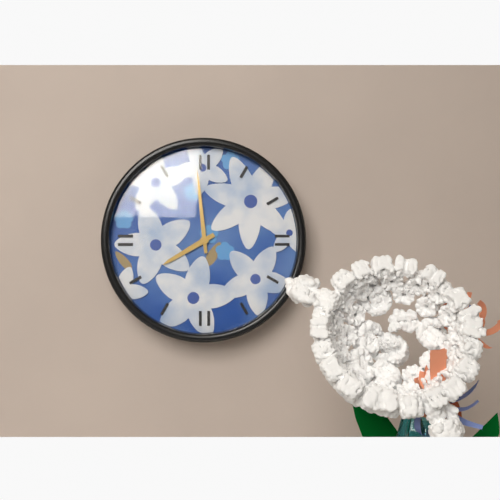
7h59
